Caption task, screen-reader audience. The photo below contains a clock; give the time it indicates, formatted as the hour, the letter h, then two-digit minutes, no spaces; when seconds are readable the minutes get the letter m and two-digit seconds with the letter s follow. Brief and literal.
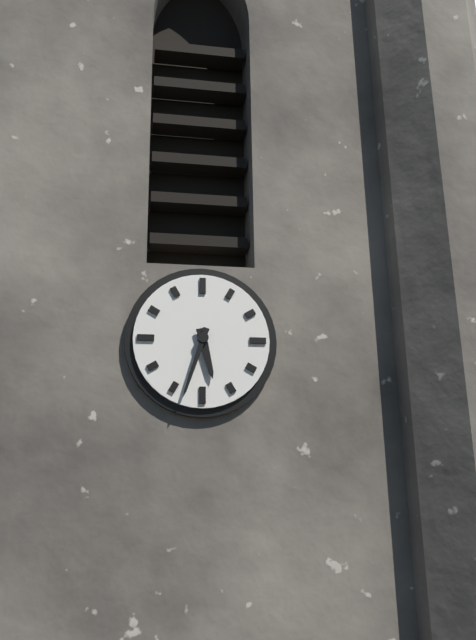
5h33
